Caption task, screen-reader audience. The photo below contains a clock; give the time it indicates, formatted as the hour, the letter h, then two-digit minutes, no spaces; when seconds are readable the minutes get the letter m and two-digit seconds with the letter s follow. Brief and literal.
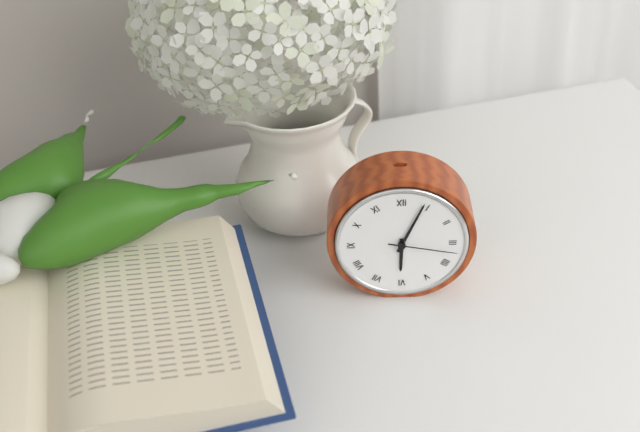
6h04m17s
